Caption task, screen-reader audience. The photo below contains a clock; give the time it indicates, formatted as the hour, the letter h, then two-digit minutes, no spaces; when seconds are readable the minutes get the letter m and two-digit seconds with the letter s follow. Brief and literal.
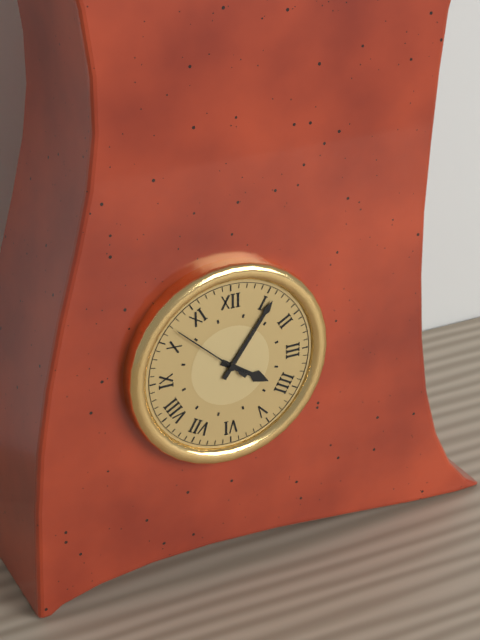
4h06m52s
